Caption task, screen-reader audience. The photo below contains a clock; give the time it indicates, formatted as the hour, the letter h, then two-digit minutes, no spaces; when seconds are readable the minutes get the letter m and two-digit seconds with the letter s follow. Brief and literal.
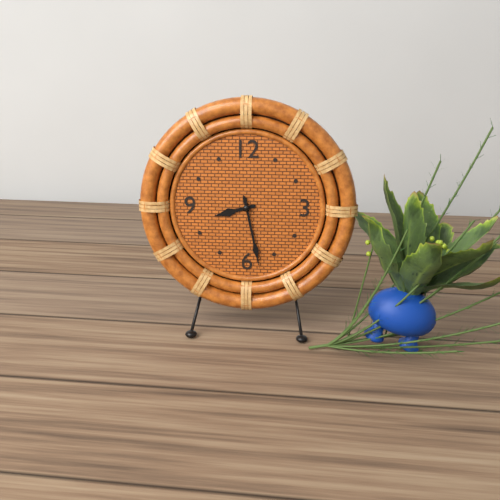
8h28
